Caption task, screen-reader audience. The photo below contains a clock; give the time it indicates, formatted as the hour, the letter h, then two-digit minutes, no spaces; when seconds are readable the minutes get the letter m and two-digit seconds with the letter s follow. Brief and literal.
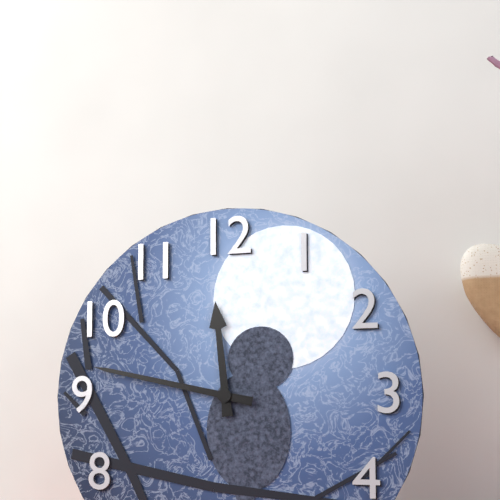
11h47
